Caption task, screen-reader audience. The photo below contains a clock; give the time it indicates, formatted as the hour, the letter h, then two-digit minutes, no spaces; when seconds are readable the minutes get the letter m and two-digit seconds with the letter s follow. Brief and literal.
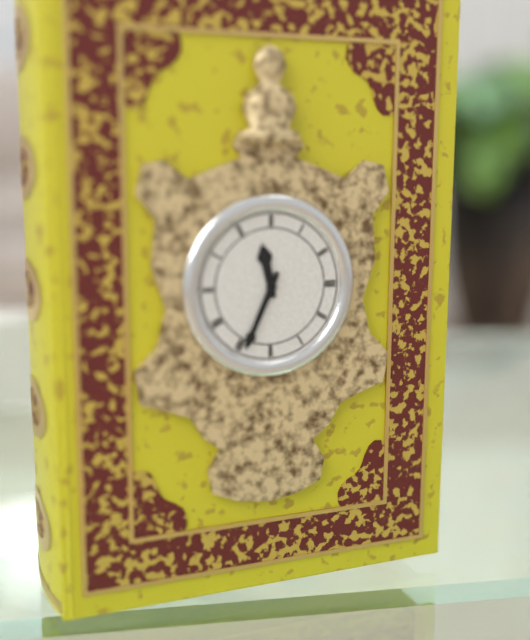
11h34
